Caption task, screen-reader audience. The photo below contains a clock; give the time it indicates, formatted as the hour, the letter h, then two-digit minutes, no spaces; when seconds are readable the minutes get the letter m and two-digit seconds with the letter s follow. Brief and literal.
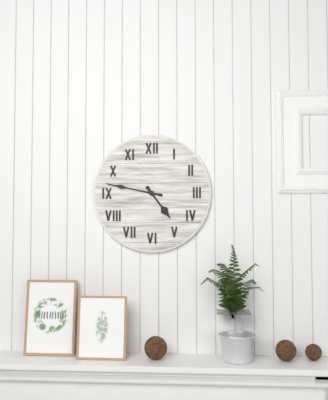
4h47
